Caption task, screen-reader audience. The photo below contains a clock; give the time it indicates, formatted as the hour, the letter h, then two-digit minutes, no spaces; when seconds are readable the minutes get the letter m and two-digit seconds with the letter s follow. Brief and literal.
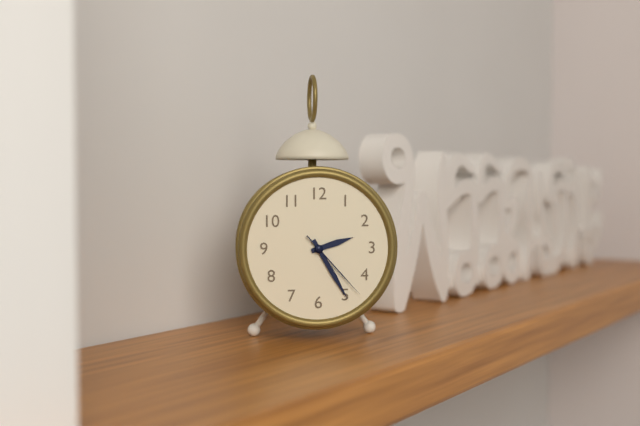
2h25m23s
